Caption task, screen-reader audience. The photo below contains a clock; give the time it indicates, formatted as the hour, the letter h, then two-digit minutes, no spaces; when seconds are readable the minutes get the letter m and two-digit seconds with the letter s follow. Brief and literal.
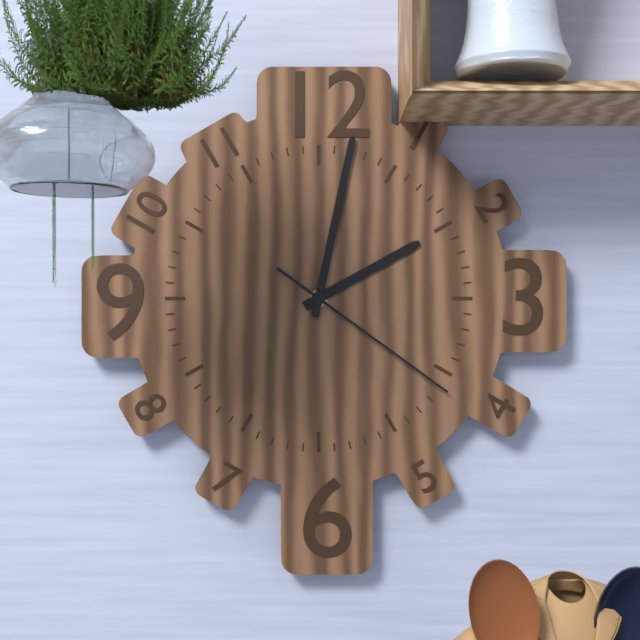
2h02m21s
